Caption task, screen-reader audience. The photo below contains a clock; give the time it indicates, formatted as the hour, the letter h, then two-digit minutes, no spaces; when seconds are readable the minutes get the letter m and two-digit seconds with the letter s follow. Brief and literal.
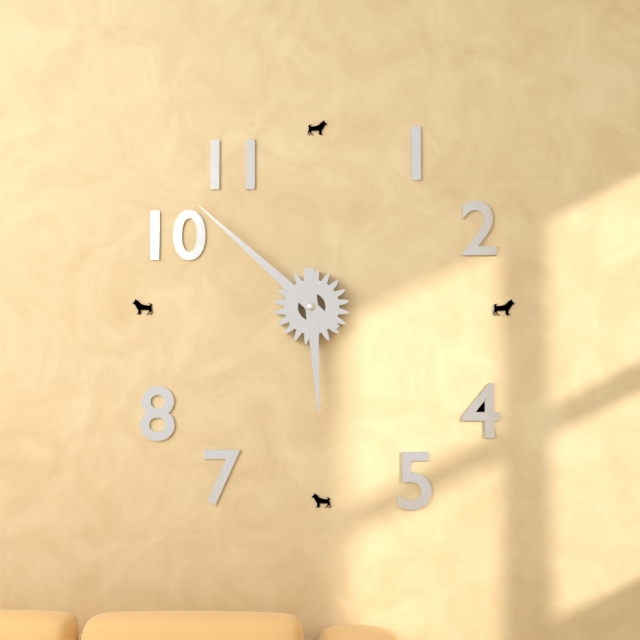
5h52
